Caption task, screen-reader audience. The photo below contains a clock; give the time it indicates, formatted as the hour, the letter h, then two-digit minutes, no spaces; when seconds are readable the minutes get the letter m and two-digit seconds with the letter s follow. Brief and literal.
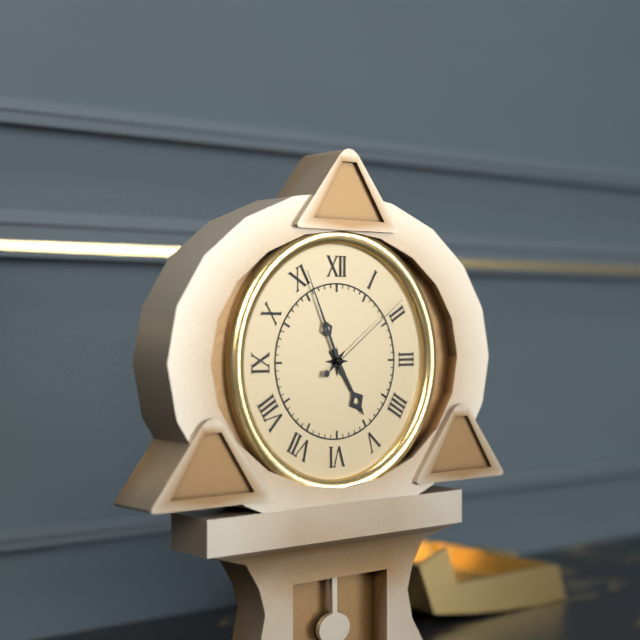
4h56m09s
